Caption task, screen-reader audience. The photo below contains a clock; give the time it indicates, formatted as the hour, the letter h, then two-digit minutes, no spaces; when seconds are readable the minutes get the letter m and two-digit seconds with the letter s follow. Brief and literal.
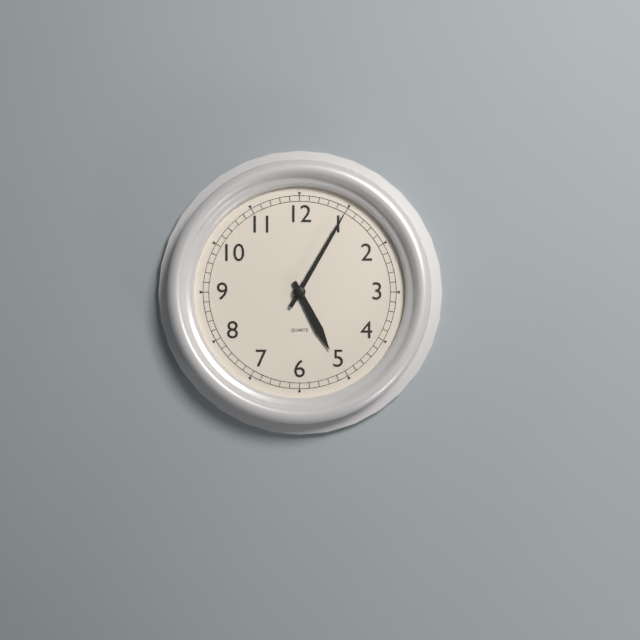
5h05
